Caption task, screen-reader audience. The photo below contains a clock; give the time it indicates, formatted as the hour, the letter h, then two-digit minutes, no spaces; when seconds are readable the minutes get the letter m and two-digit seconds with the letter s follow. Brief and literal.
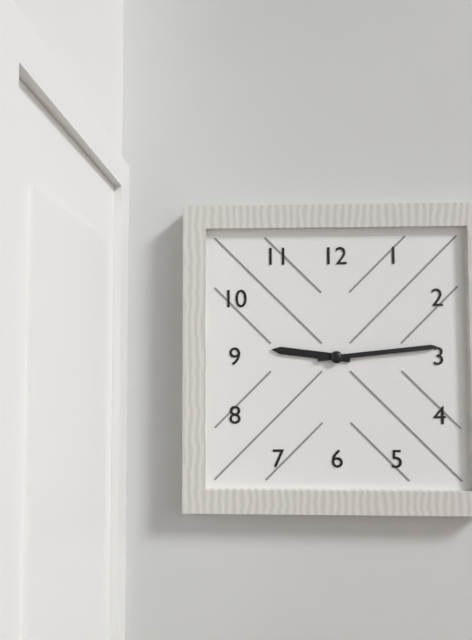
9h14
